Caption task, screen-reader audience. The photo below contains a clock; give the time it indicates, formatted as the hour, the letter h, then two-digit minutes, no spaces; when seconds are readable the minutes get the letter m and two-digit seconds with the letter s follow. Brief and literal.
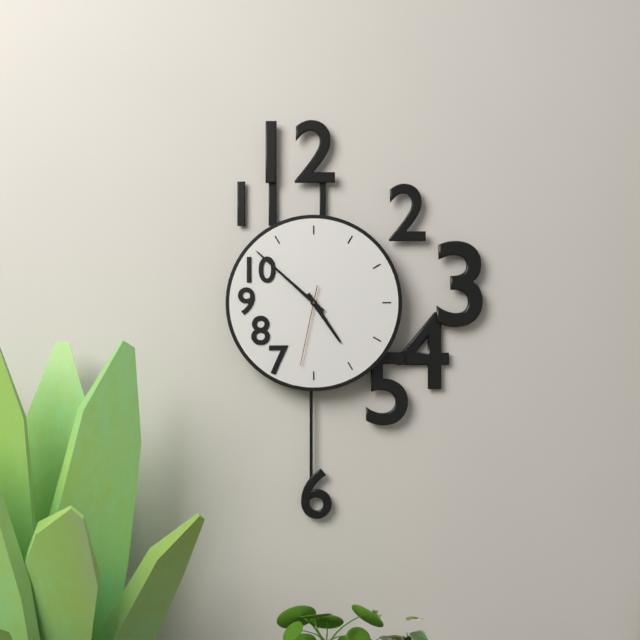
4h52m32s
